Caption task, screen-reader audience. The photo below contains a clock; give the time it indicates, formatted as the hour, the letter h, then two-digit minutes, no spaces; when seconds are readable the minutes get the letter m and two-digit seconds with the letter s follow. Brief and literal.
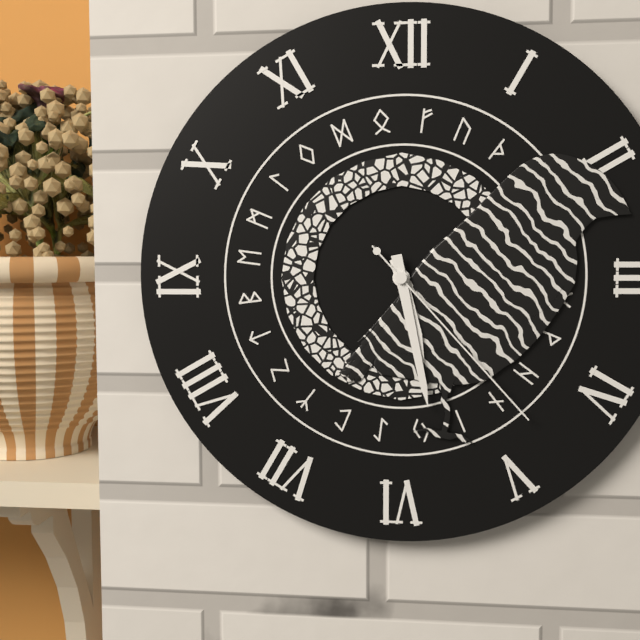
5h28m23s
